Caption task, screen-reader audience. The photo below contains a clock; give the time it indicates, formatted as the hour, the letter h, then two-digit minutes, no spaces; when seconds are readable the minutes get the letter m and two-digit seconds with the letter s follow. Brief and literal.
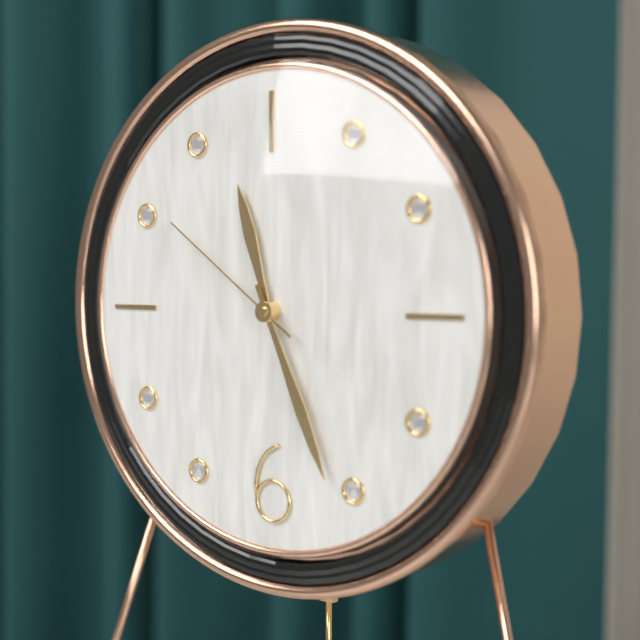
11h26m51s
